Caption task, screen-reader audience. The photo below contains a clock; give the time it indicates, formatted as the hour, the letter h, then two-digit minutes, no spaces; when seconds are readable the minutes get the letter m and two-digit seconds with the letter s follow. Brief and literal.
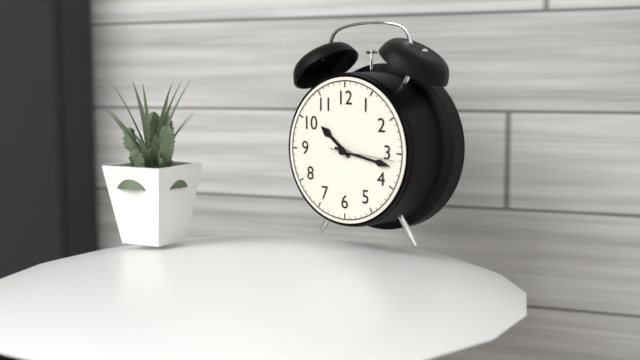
10h17m16s
